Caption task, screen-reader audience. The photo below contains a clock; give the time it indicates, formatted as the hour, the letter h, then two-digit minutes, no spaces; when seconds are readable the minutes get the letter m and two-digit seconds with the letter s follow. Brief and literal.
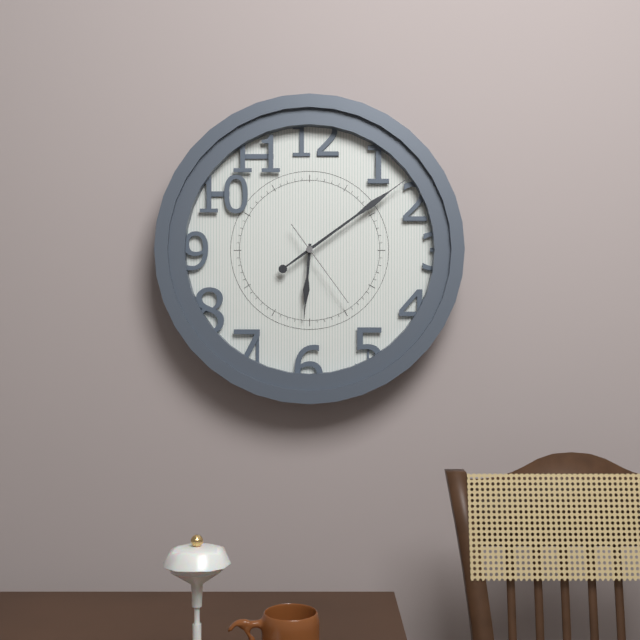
6h09m24s
